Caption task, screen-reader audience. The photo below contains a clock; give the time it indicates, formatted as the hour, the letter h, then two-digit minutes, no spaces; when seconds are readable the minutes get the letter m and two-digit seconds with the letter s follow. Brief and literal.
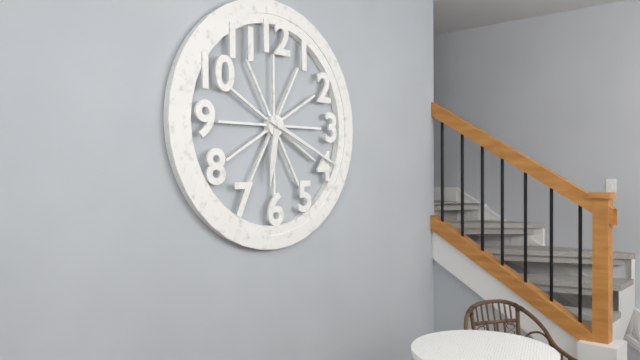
6h19
